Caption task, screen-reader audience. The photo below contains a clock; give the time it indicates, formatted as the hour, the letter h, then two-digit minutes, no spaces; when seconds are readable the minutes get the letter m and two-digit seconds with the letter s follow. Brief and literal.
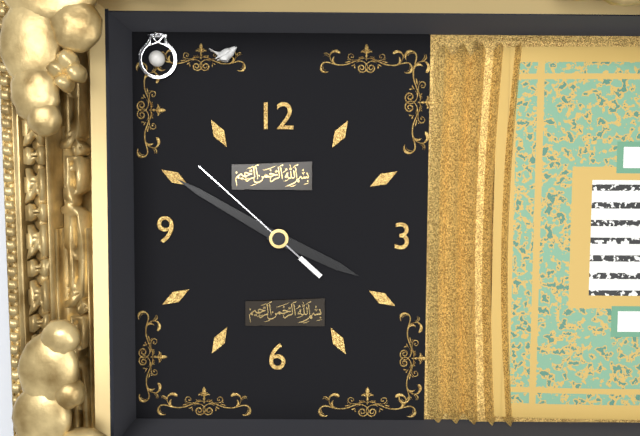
3h50m52s
